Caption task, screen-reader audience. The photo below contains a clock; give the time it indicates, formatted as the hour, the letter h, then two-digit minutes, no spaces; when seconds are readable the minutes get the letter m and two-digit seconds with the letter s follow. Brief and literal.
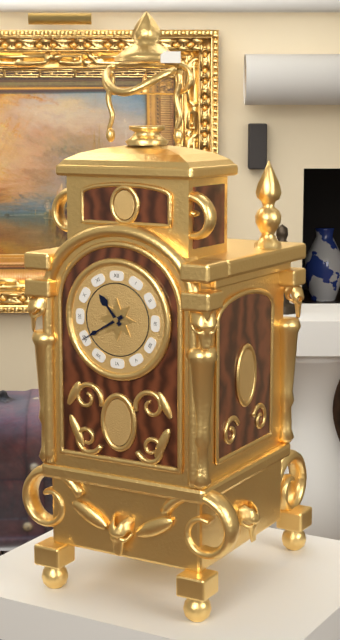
10h40
